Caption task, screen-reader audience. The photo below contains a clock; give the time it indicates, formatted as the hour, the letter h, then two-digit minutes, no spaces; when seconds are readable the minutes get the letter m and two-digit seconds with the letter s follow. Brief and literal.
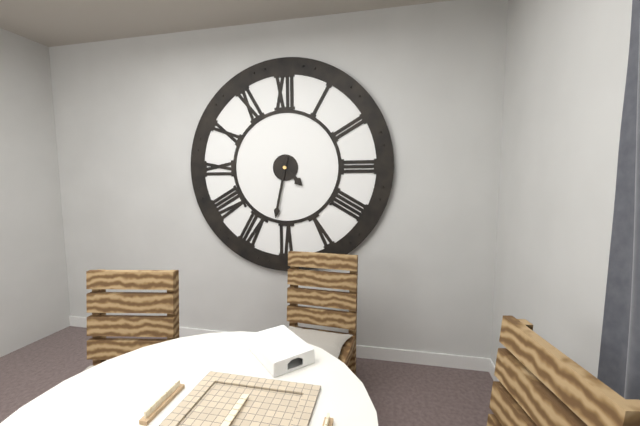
4h32
